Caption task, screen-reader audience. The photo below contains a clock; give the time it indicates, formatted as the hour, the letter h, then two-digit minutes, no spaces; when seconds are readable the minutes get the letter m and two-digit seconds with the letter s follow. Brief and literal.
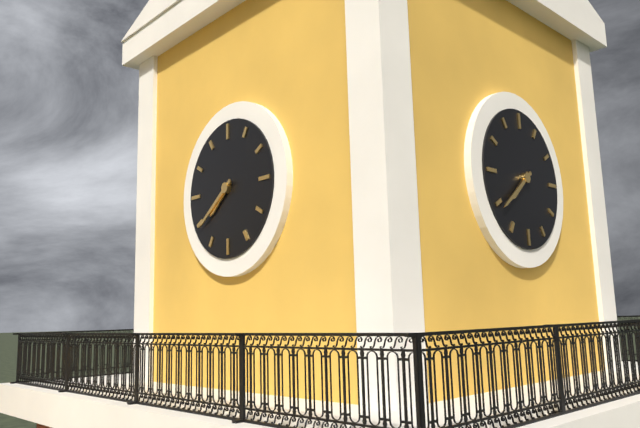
7h39
